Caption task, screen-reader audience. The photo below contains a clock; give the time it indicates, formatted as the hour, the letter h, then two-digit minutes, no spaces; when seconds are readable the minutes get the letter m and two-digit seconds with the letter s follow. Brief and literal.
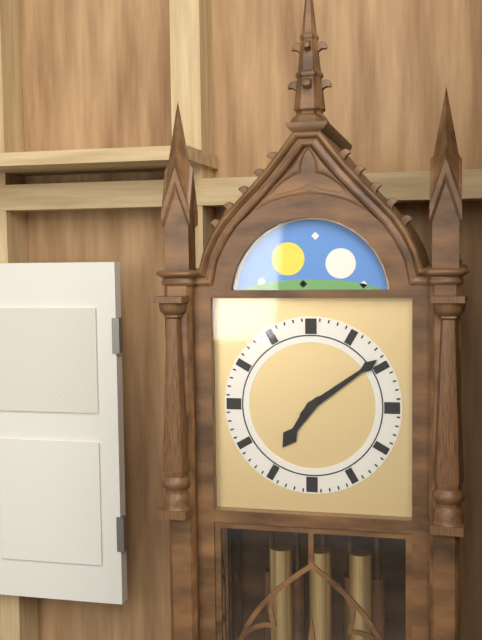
7h09
